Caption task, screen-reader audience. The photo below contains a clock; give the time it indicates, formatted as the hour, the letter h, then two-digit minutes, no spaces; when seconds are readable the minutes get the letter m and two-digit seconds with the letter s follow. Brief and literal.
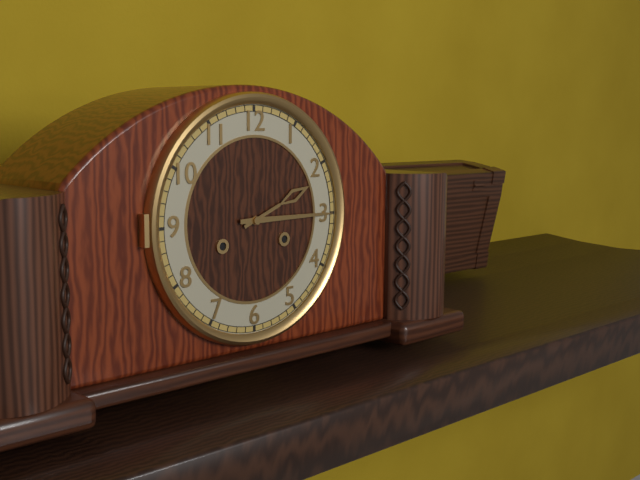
2h15
